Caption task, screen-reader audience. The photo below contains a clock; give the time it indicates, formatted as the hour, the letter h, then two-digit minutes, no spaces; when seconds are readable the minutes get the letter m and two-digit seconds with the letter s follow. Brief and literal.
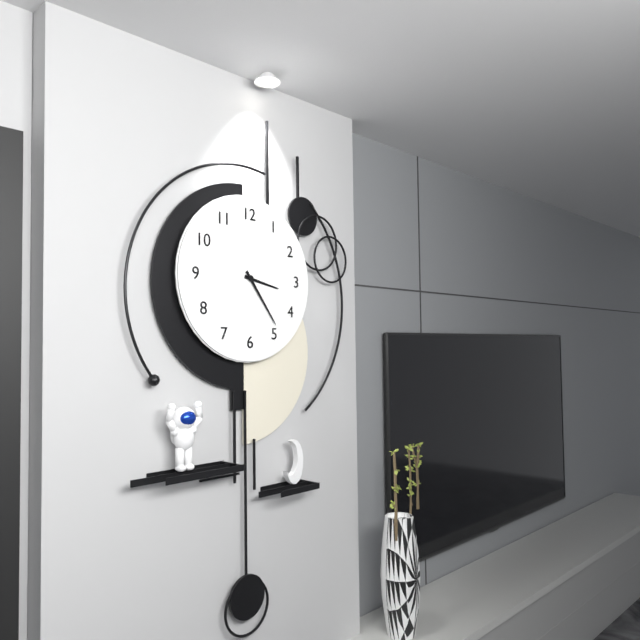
3h24
